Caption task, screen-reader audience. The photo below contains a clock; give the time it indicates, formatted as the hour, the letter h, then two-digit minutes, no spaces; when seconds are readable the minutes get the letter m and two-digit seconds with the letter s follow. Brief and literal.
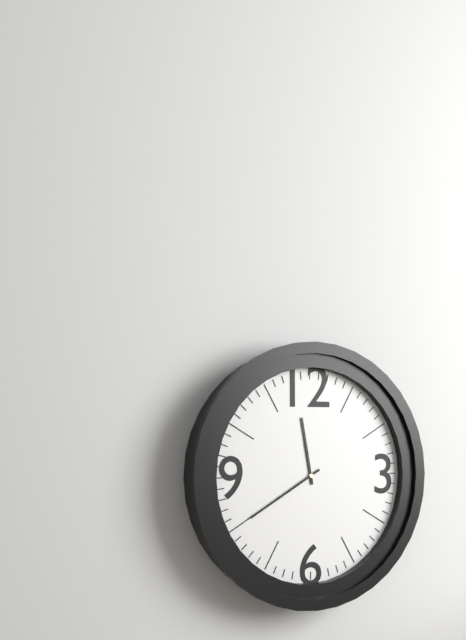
11h40
